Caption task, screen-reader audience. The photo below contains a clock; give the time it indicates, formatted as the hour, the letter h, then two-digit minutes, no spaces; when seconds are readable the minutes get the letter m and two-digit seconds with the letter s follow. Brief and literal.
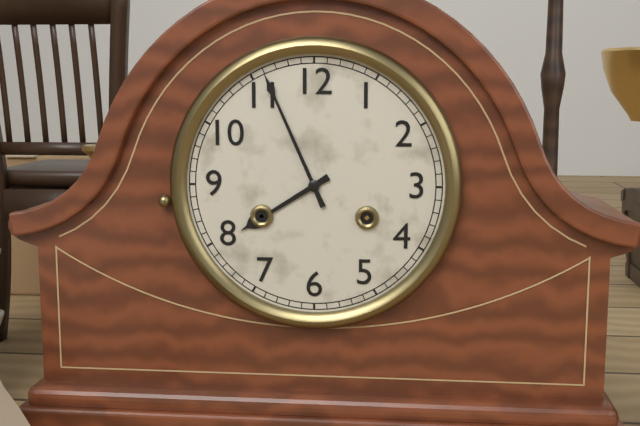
7h56
